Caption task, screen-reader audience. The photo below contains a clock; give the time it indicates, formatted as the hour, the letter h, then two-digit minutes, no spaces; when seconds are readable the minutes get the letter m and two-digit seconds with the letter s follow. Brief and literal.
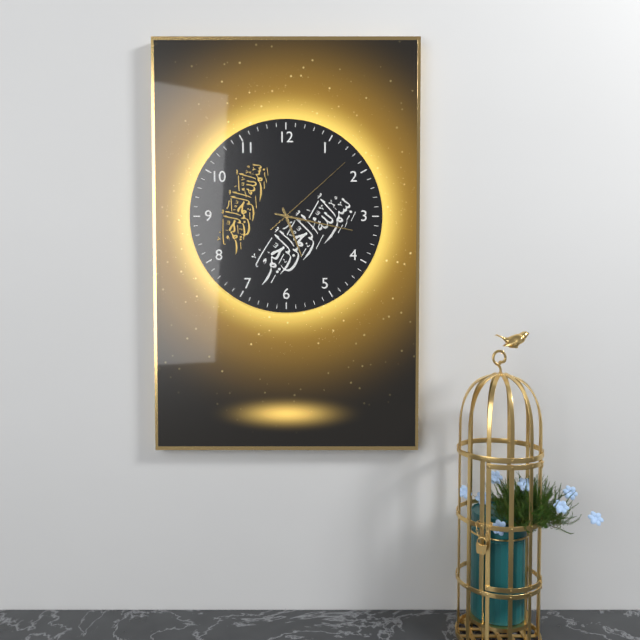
5h17m08s
